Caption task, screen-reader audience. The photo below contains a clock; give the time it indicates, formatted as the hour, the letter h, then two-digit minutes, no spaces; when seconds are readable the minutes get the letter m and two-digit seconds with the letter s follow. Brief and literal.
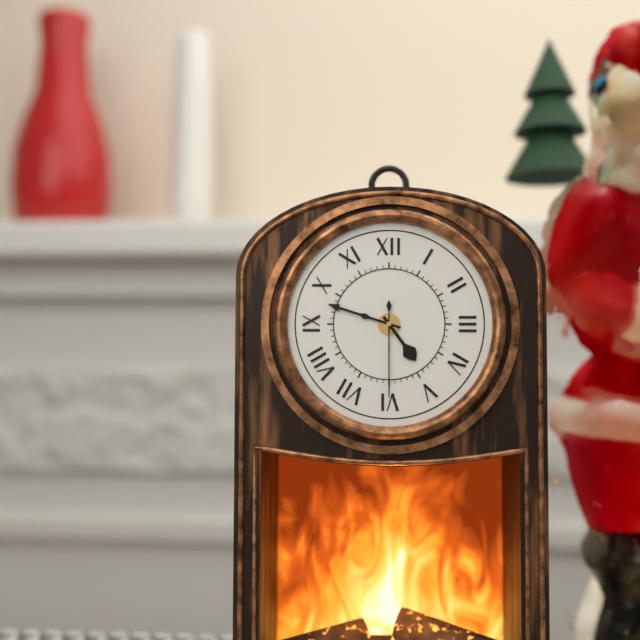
4h48m30s
